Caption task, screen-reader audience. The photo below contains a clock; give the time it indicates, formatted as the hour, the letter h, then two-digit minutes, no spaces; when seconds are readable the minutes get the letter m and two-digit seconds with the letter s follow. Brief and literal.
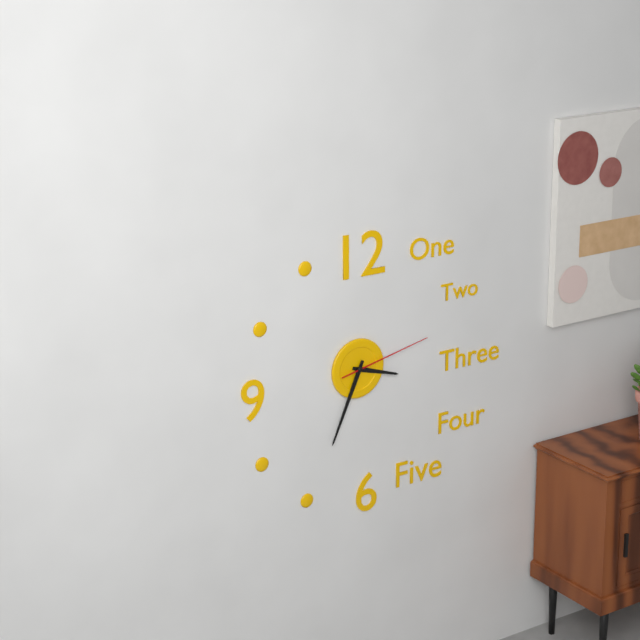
3h34m13s
